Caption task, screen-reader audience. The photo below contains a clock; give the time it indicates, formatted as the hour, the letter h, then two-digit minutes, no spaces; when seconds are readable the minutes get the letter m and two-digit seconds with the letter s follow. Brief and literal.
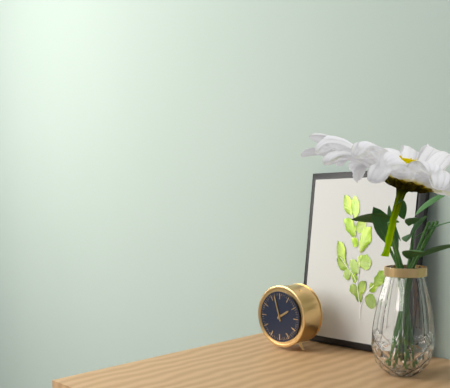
1h57
